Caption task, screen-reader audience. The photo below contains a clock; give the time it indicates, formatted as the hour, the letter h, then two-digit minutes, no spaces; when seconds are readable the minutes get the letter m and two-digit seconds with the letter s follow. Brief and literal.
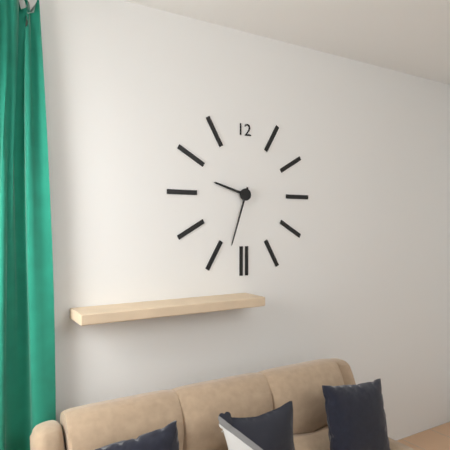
9h33
